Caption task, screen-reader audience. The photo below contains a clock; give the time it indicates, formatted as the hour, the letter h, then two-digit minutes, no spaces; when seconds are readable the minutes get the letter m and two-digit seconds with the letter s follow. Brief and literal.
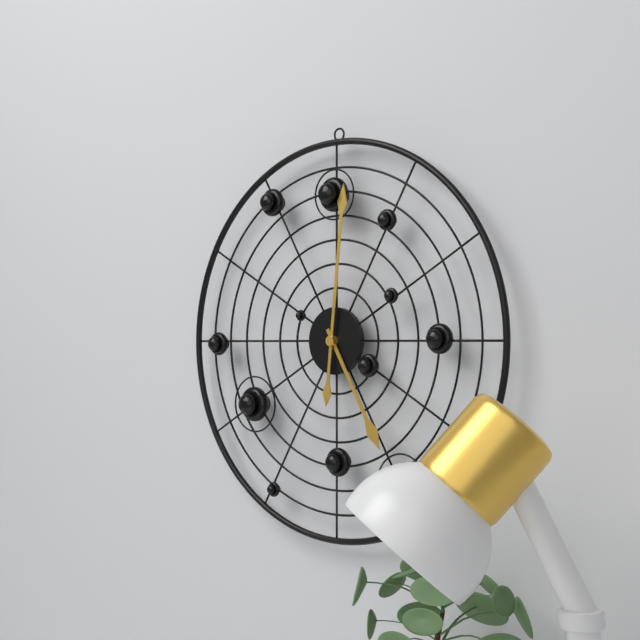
5h01
